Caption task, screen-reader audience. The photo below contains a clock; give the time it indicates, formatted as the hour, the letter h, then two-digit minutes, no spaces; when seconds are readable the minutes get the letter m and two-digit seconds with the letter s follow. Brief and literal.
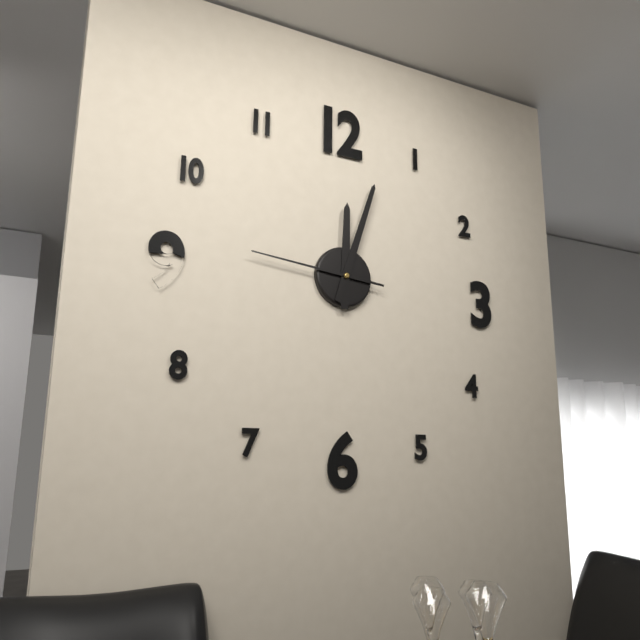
12h03m46s
